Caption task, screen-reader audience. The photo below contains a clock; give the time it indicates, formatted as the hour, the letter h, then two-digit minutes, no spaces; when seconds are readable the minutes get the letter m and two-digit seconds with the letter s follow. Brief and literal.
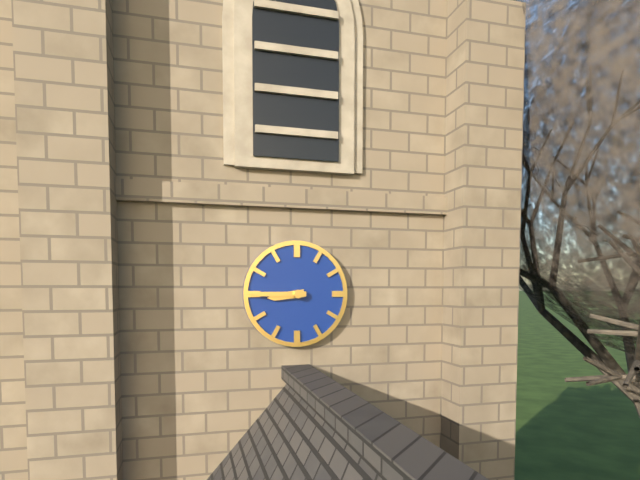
8h45
